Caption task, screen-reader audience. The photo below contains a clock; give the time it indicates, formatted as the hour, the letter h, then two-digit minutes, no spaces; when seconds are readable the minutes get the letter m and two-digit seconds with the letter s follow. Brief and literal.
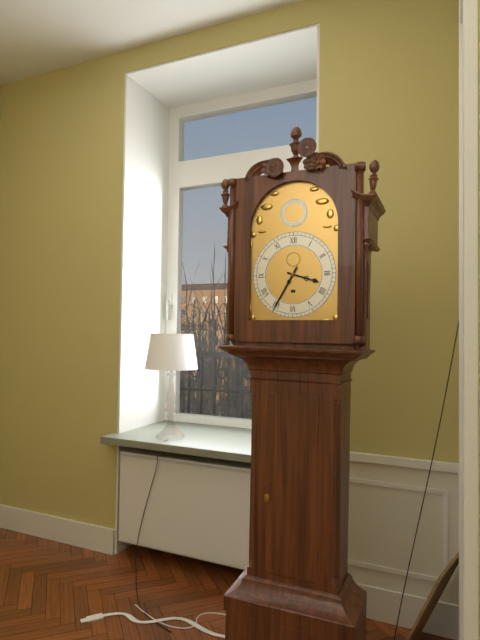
3h35
